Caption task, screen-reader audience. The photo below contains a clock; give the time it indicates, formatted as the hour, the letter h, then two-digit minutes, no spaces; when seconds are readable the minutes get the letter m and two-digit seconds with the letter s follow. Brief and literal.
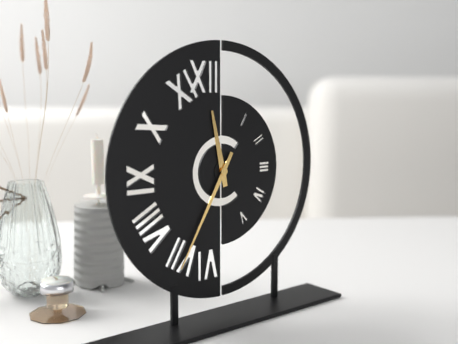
11h35
